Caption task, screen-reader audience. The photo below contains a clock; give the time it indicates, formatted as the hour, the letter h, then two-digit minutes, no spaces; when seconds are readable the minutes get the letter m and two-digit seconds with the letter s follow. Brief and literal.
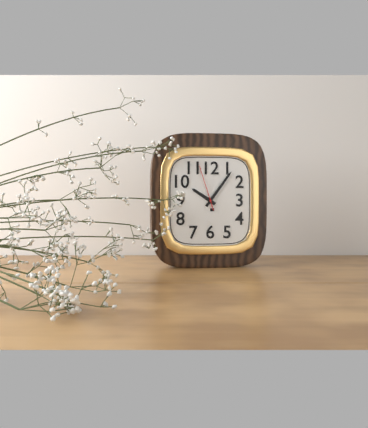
10h06
